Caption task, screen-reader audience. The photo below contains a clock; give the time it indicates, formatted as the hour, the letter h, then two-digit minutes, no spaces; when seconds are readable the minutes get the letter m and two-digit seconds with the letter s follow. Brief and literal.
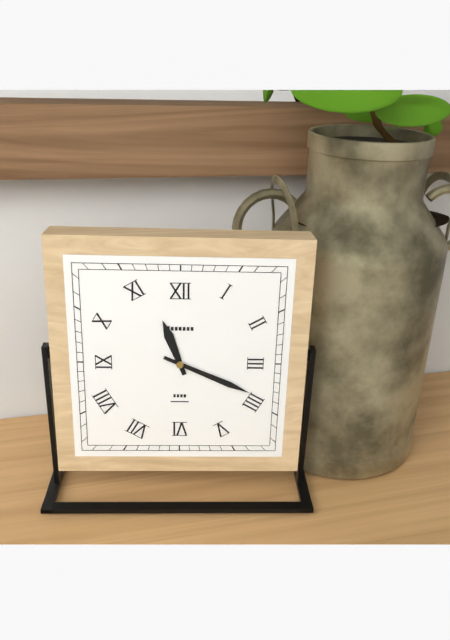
11h19
